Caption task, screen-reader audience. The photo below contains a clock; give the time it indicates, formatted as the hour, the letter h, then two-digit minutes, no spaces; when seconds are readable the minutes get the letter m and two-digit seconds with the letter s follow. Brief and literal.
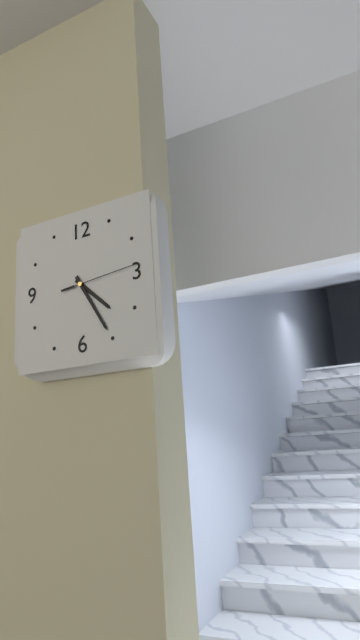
4h25m14s
